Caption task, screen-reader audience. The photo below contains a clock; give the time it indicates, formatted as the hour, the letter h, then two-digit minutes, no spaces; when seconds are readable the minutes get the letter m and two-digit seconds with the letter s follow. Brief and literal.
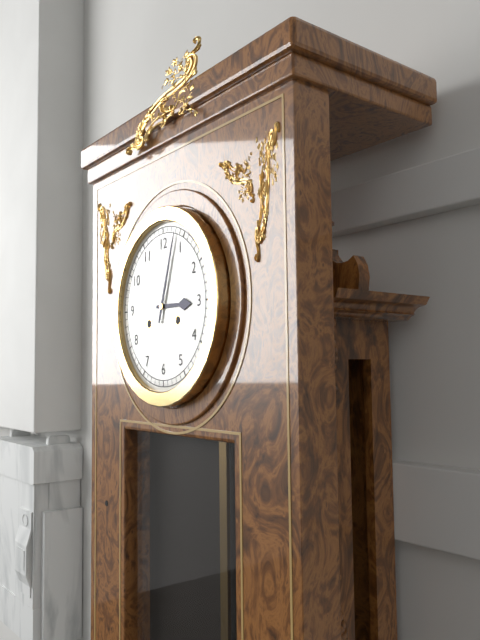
3h03
